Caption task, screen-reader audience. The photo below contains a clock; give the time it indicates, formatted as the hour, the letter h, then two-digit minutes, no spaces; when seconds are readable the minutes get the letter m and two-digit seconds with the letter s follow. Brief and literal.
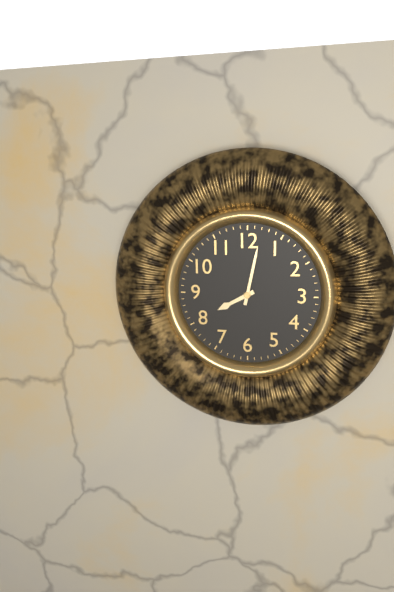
8h02
